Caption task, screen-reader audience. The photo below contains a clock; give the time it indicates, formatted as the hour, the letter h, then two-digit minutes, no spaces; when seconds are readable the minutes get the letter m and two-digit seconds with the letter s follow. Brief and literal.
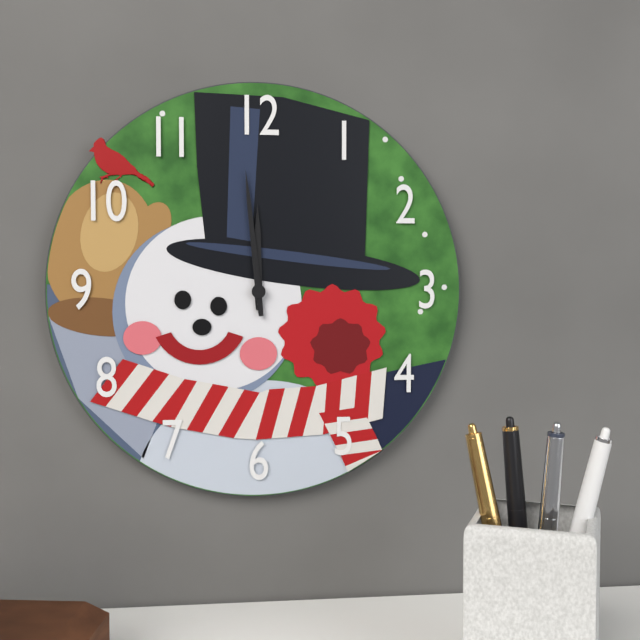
11h59
